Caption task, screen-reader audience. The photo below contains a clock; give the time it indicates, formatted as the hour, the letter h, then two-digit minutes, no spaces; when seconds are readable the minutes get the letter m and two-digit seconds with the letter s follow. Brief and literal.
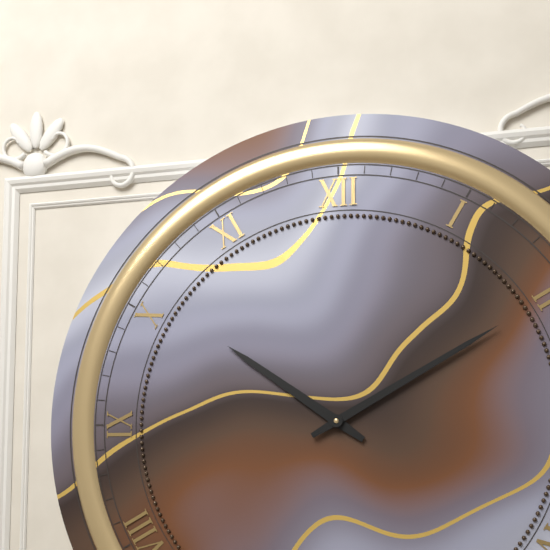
10h10
